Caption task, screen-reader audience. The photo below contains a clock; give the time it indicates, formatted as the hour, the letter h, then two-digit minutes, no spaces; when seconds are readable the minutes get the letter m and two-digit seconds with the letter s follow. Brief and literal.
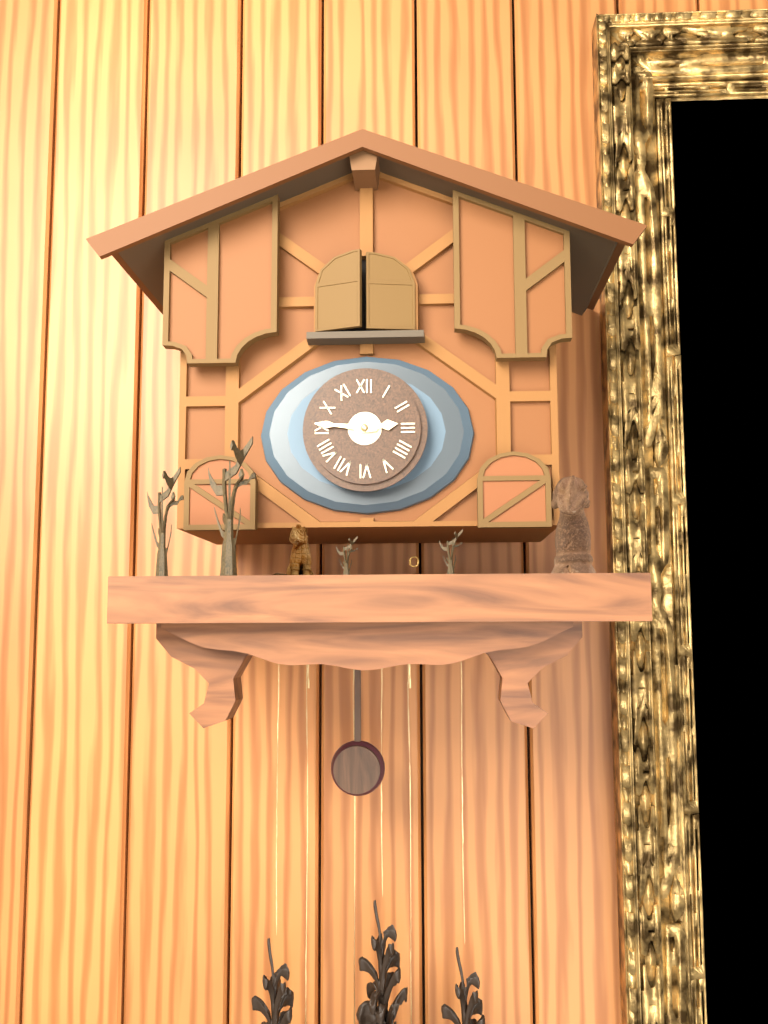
2h46
